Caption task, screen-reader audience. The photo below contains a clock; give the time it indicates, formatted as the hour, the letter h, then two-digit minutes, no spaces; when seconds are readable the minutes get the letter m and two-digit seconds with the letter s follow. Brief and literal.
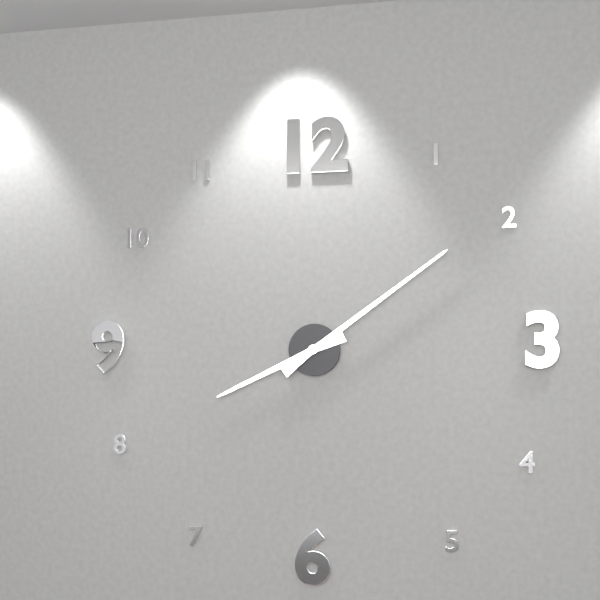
8h09
